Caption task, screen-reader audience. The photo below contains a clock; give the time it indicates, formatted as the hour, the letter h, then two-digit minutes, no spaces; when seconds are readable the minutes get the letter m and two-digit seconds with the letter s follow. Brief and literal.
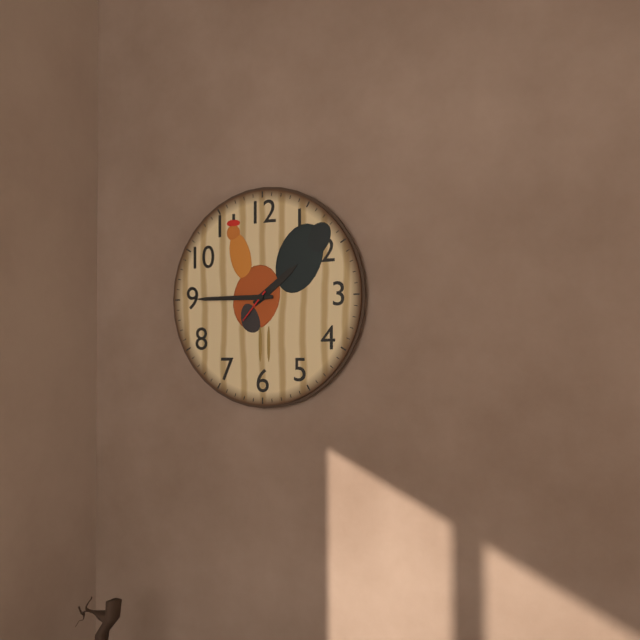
1h45
